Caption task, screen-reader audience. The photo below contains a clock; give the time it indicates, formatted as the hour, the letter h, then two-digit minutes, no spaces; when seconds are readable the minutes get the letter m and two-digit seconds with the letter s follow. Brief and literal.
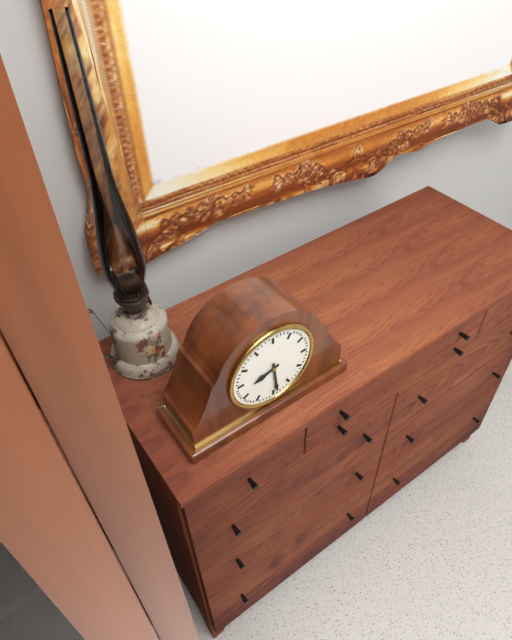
8h29
